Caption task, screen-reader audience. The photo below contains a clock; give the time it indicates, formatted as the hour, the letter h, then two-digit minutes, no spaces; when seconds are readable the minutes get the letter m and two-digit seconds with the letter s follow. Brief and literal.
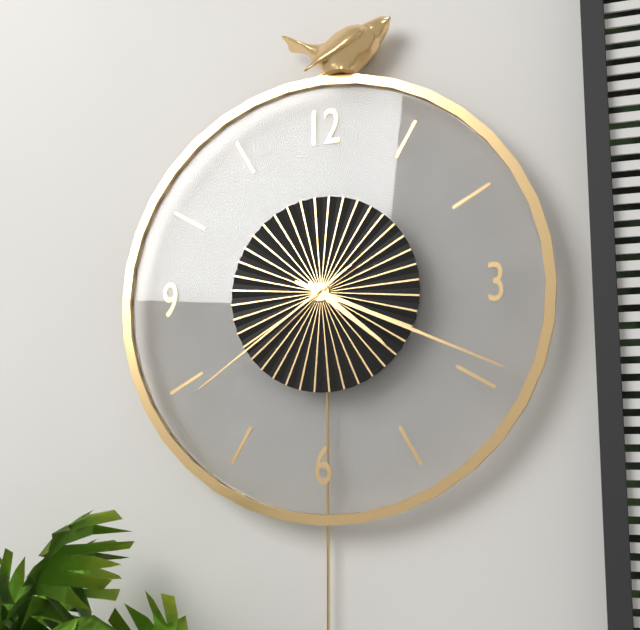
4h19m39s
